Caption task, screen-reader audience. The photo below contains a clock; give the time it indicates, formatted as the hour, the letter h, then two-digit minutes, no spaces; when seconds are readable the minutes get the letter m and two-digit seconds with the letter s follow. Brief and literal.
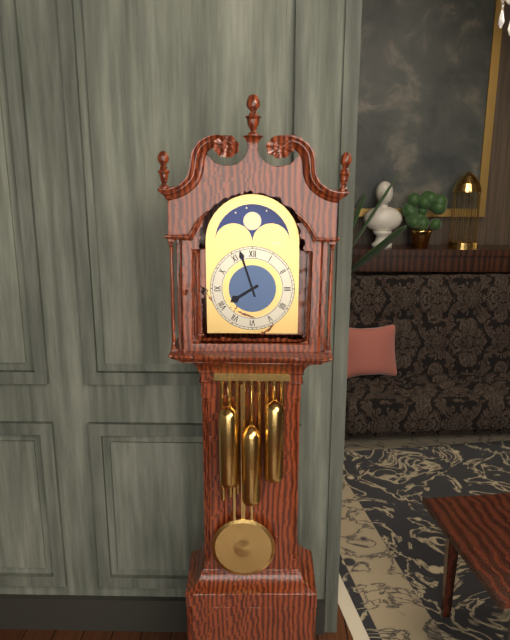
7h57
